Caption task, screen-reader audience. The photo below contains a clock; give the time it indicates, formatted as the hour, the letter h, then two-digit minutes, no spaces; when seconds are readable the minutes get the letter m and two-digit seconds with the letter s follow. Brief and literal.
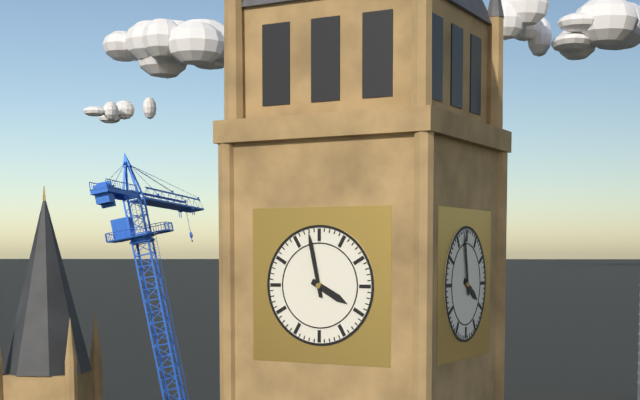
3h58
